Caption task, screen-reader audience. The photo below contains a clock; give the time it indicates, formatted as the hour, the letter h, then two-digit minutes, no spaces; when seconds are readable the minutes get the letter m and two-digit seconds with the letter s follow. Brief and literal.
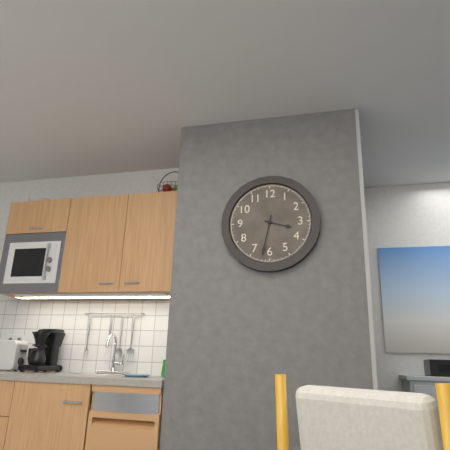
3h32
